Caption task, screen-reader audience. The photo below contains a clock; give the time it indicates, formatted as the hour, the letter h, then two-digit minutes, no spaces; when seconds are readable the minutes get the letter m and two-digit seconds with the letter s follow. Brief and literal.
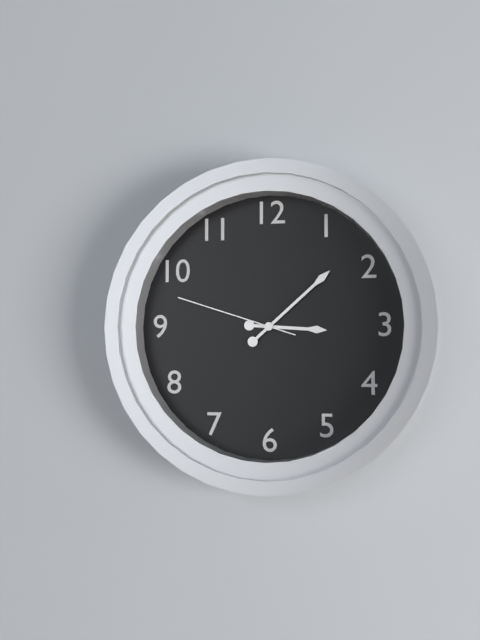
3h08m48s
